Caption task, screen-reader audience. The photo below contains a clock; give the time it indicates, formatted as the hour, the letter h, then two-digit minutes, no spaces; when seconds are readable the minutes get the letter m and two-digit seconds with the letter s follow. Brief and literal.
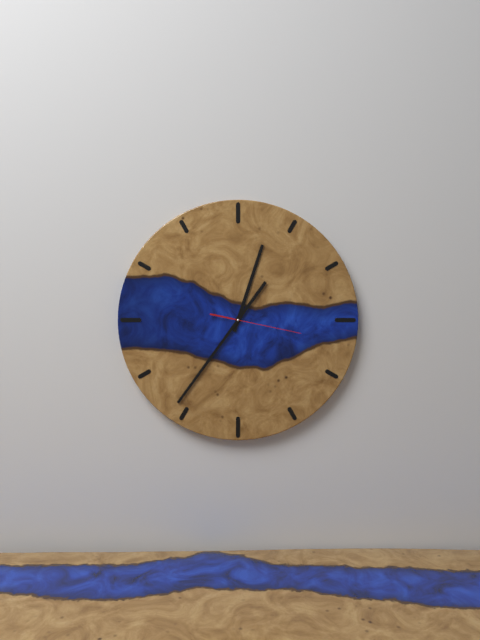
12h36m17s
